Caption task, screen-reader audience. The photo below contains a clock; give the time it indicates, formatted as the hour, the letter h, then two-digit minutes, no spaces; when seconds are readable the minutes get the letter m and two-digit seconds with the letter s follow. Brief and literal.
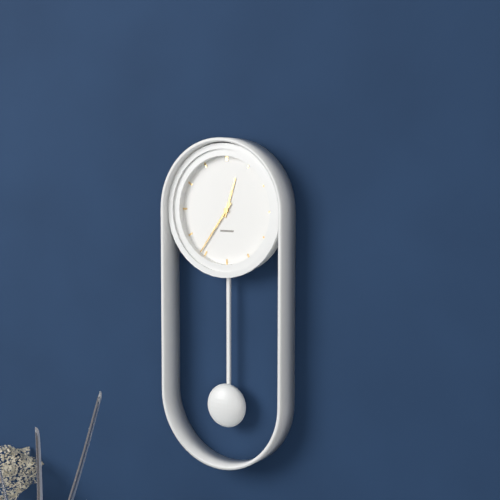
12h36
